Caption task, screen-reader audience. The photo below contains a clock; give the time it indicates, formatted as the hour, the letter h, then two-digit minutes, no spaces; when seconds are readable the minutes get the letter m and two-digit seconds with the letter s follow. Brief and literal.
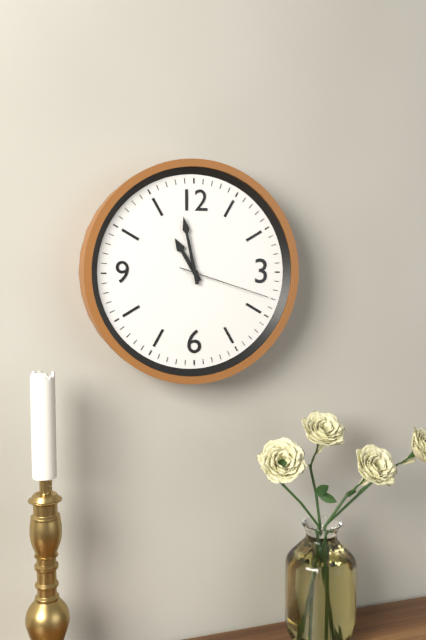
10h58m18s
